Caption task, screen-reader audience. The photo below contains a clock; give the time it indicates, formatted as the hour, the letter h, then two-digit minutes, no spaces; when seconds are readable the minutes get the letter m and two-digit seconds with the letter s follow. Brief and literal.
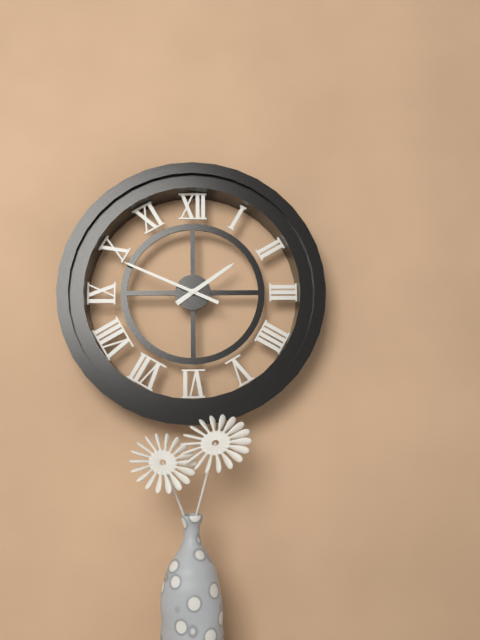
1h49
